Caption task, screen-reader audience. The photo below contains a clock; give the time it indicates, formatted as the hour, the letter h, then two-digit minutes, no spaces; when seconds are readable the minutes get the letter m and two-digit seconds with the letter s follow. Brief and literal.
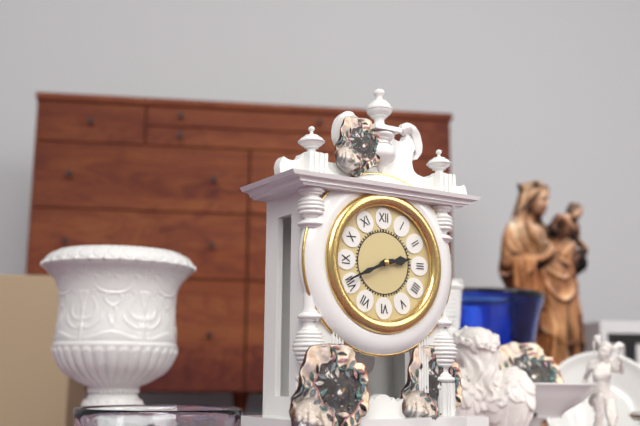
2h41
